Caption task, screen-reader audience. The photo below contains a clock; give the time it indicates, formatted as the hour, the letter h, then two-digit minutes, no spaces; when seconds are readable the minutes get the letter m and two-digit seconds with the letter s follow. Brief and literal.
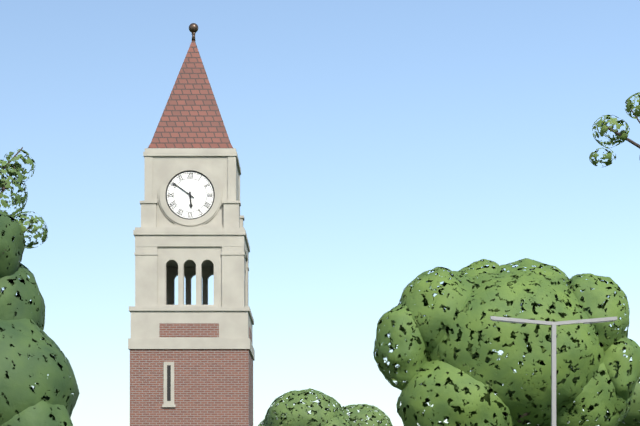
5h51
